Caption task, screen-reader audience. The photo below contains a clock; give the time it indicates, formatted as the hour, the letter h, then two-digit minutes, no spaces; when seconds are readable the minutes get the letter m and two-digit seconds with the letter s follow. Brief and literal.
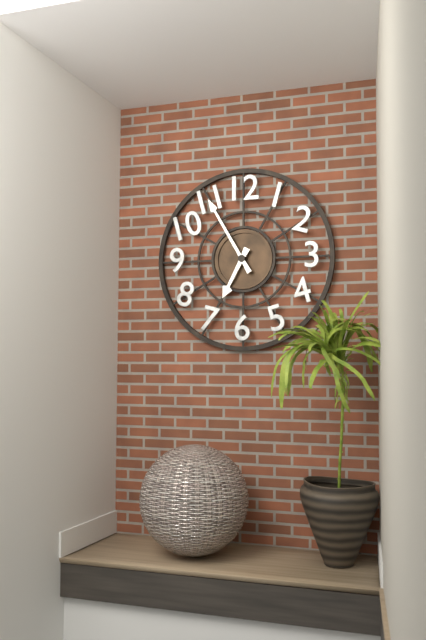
6h55
